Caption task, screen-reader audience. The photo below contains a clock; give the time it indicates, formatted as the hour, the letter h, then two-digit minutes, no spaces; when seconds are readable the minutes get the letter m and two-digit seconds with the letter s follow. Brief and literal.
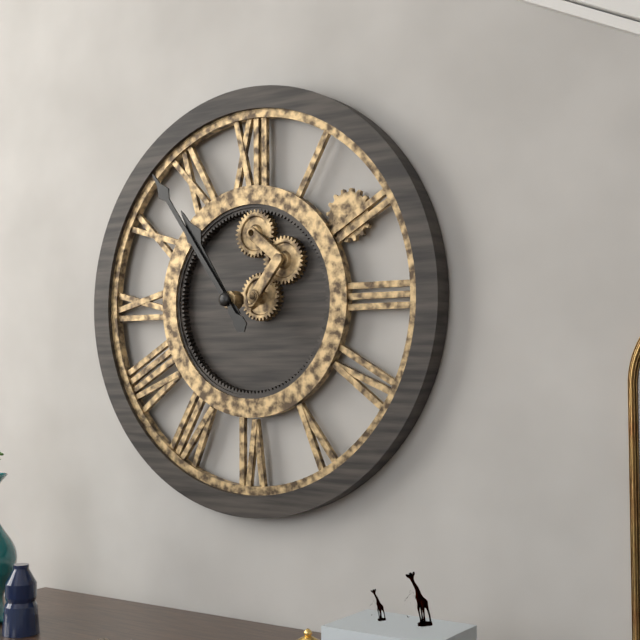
10h54
